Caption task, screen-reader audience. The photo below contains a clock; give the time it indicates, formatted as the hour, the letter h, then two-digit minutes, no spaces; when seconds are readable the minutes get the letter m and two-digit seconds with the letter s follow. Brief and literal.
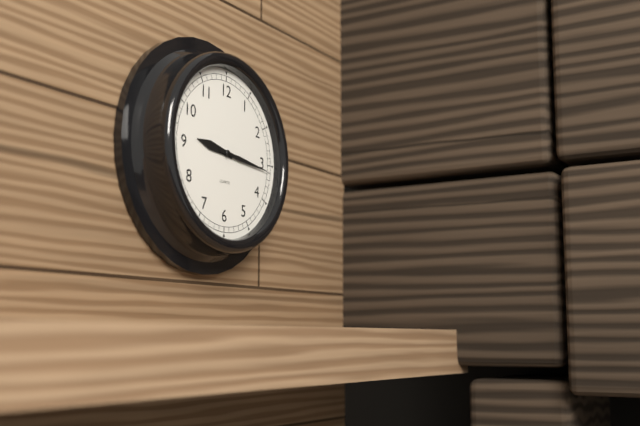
9h16
